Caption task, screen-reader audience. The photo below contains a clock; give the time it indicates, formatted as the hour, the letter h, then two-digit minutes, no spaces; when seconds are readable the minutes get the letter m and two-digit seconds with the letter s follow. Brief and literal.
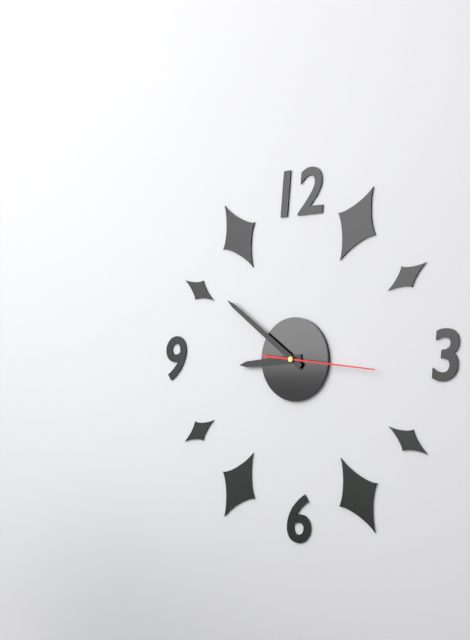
8h51m16s
